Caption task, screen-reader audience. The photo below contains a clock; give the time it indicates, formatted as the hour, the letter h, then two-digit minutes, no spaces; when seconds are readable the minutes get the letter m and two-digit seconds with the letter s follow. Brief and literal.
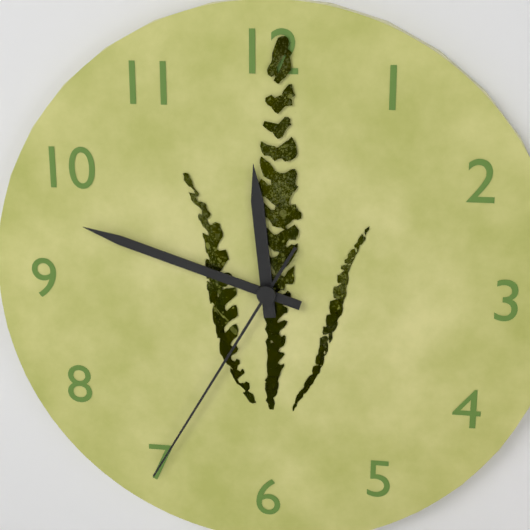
11h48m35s
